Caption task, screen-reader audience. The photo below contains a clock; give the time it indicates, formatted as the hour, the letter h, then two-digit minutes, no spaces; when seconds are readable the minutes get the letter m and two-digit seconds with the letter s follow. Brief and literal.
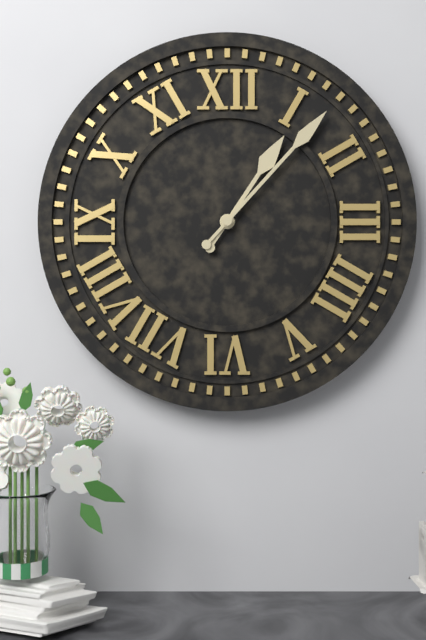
1h07
